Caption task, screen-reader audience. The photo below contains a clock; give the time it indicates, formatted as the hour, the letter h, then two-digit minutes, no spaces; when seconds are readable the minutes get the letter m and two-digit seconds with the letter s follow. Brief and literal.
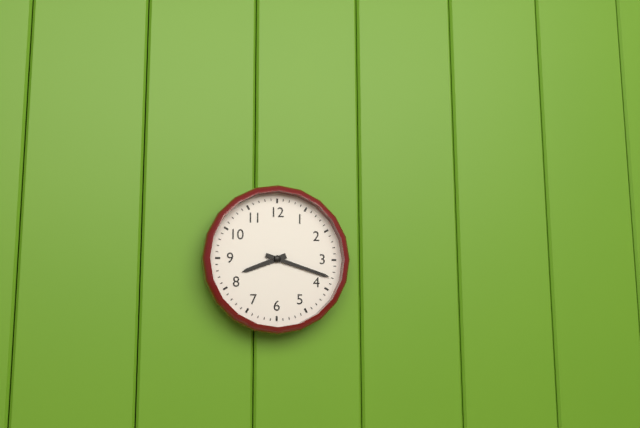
8h18
